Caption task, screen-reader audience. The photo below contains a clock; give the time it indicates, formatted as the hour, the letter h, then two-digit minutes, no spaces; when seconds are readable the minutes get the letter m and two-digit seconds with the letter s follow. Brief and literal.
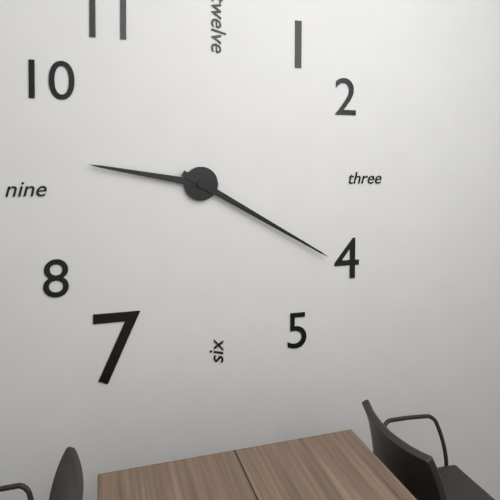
9h20
